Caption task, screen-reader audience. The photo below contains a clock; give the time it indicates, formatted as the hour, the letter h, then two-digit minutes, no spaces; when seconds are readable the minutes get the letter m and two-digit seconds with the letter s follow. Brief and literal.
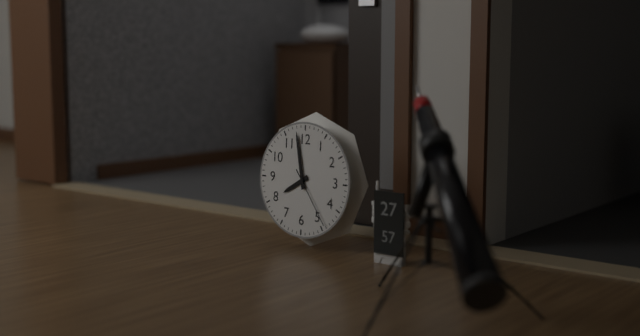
7h58m24s
